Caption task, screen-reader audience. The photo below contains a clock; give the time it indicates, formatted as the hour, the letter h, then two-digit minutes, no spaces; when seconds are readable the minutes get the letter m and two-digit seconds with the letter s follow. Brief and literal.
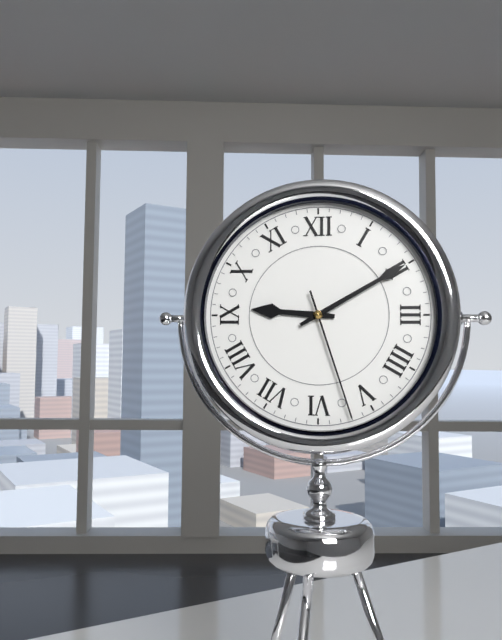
9h10m27s
